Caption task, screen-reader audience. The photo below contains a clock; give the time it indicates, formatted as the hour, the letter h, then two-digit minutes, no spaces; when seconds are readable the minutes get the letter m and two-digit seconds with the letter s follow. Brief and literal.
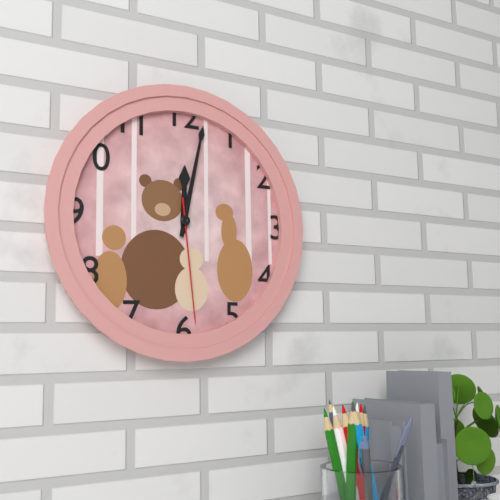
12h02m29s
